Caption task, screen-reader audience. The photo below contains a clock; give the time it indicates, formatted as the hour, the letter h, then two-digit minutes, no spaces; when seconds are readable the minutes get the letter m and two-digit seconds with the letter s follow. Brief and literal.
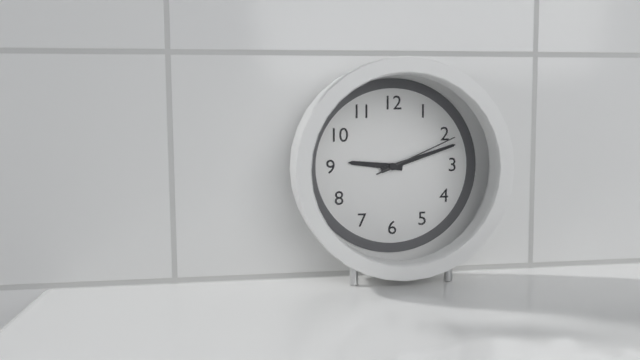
9h12m11s
